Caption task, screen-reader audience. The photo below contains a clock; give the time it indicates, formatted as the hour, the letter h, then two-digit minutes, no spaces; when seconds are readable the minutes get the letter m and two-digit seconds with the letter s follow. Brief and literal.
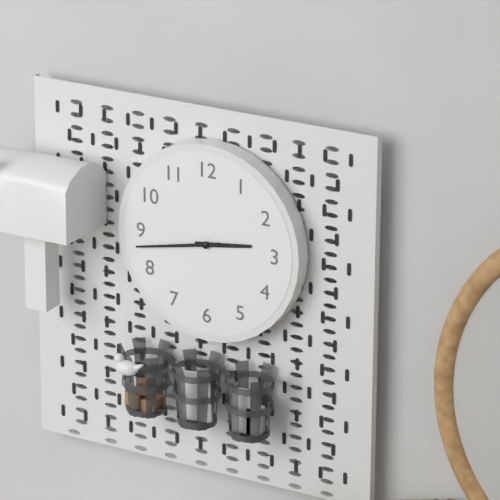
2h43
